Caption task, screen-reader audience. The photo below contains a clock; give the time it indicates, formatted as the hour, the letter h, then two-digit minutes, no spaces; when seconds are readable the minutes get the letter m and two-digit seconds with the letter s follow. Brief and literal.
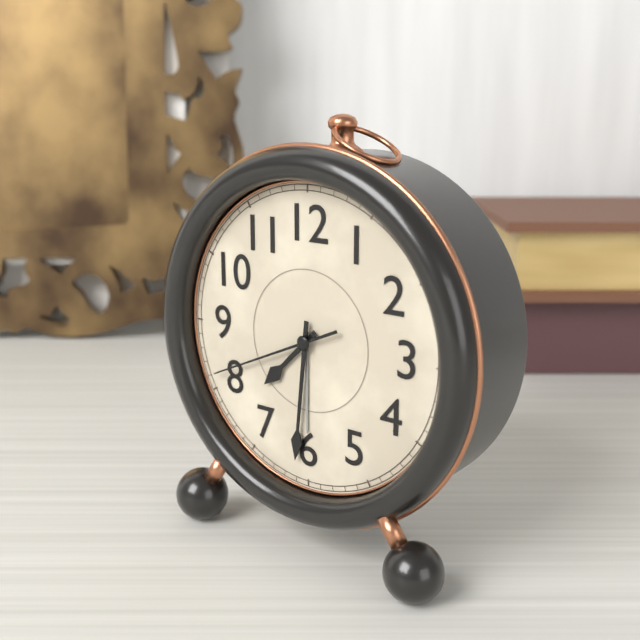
7h31m41s
